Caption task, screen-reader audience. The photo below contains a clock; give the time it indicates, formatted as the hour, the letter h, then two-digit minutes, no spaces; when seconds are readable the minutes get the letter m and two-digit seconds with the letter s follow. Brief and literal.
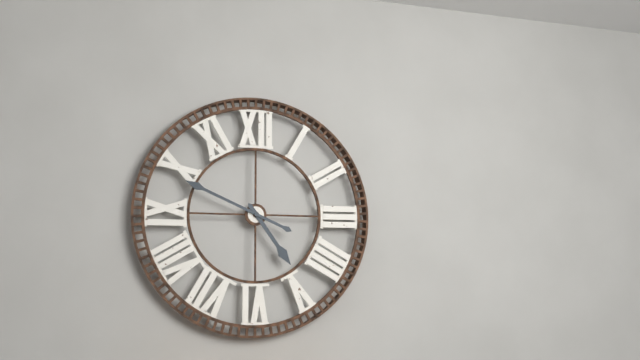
4h49
